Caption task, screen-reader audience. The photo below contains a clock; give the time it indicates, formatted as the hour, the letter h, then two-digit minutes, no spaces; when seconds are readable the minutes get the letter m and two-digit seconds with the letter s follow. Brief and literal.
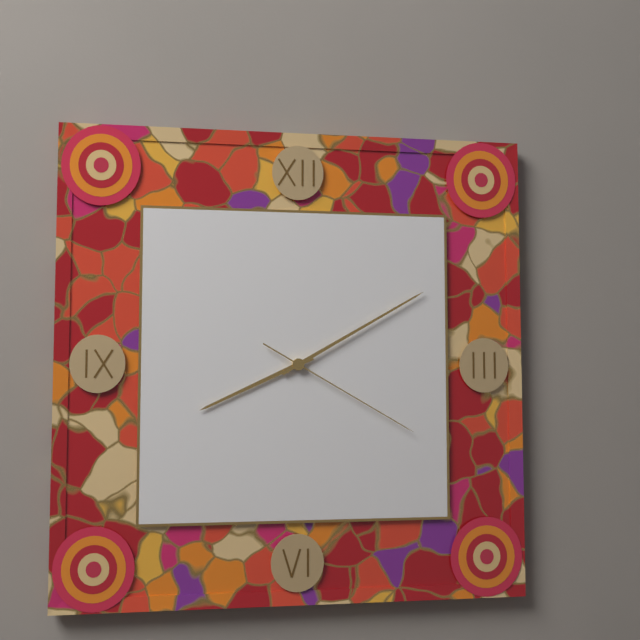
8h10m20s
